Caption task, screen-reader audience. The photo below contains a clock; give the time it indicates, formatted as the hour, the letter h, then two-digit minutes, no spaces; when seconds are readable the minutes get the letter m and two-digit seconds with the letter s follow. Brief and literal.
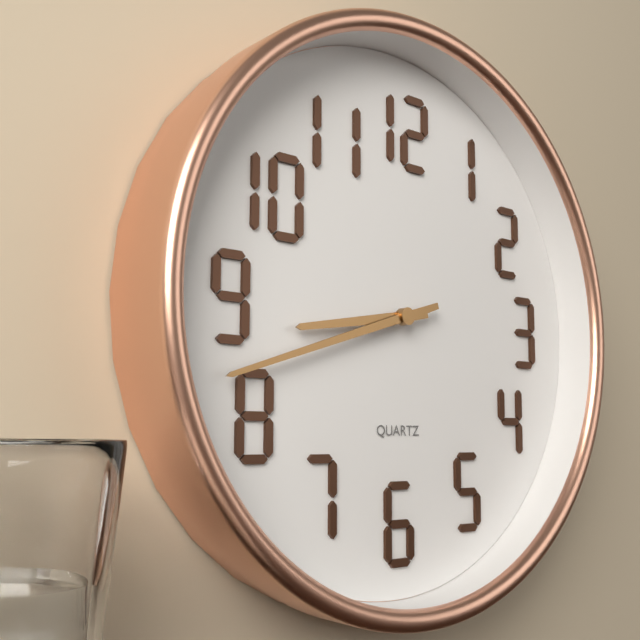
8h42
